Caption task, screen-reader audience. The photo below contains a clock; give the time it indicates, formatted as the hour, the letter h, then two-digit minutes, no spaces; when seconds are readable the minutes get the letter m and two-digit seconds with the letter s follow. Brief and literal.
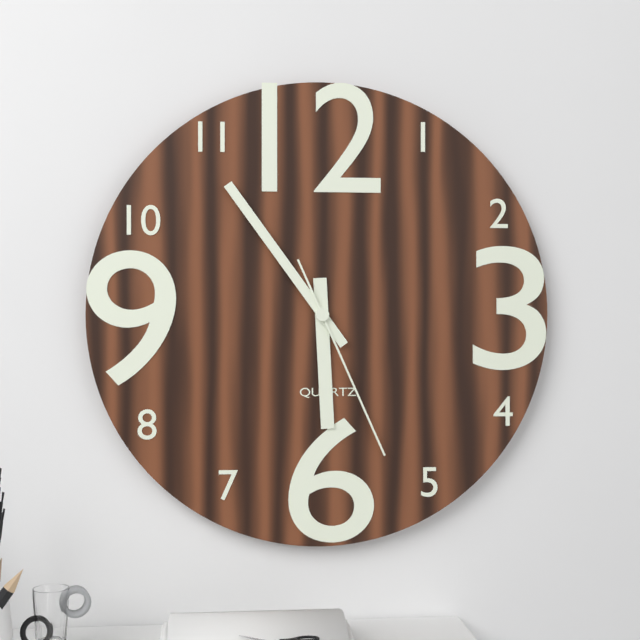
5h54m26s
